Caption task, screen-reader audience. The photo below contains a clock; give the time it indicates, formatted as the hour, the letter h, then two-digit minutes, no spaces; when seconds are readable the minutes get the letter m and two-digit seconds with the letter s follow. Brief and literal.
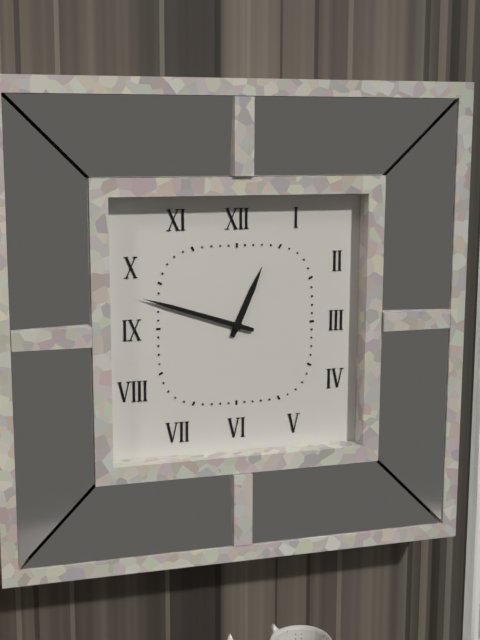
12h48
